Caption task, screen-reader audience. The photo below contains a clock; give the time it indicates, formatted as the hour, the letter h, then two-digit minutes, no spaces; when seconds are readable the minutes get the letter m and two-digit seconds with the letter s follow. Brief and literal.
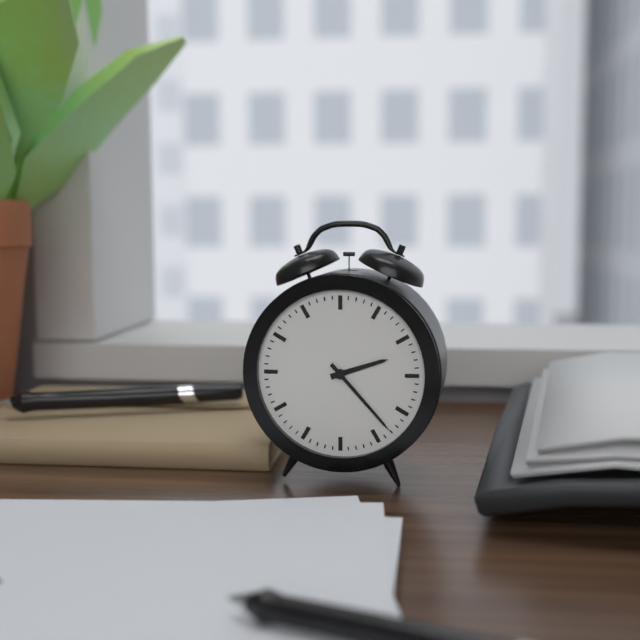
2h23
